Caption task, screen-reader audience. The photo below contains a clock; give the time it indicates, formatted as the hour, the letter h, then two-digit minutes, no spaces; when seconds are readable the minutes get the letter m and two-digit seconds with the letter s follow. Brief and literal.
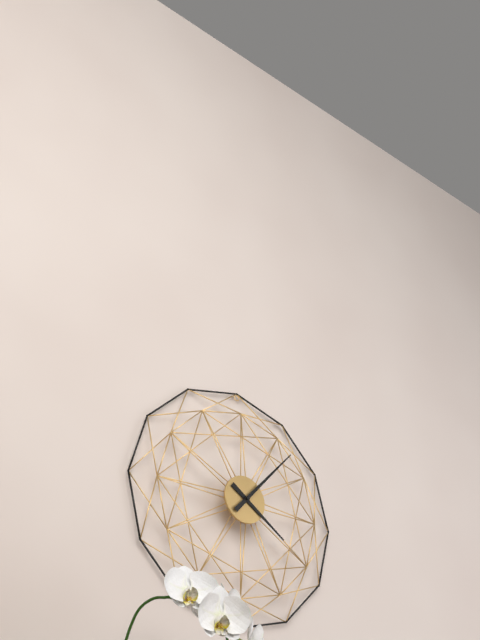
4h07
